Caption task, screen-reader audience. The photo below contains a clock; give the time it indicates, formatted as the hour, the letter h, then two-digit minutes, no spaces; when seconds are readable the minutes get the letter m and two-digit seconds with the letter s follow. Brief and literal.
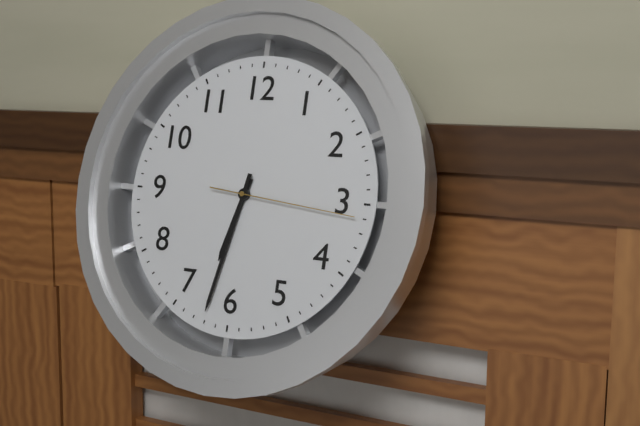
6h32m16s
